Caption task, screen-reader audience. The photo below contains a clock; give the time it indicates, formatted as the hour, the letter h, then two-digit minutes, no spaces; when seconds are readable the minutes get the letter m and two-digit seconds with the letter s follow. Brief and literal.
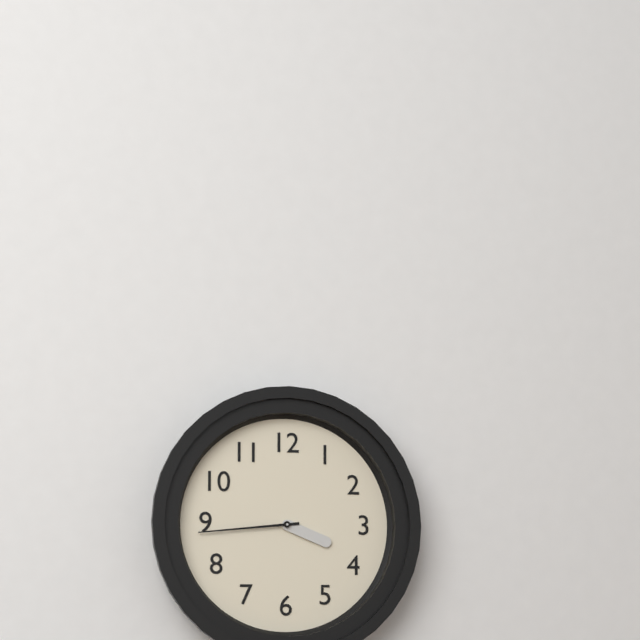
3h44
